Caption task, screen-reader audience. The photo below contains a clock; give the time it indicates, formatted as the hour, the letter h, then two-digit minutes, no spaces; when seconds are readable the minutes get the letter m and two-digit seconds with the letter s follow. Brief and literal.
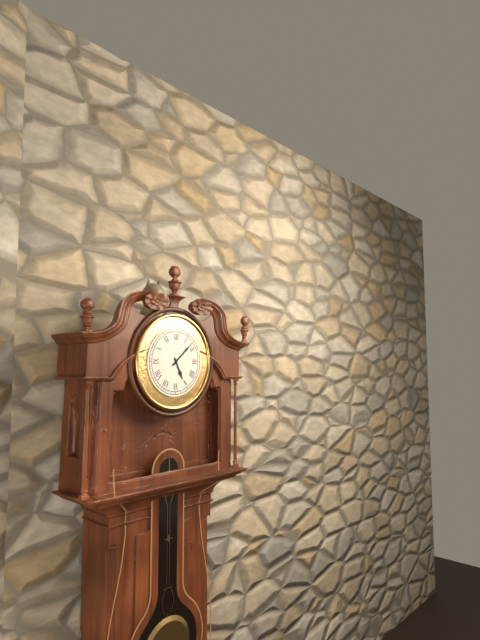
5h08
